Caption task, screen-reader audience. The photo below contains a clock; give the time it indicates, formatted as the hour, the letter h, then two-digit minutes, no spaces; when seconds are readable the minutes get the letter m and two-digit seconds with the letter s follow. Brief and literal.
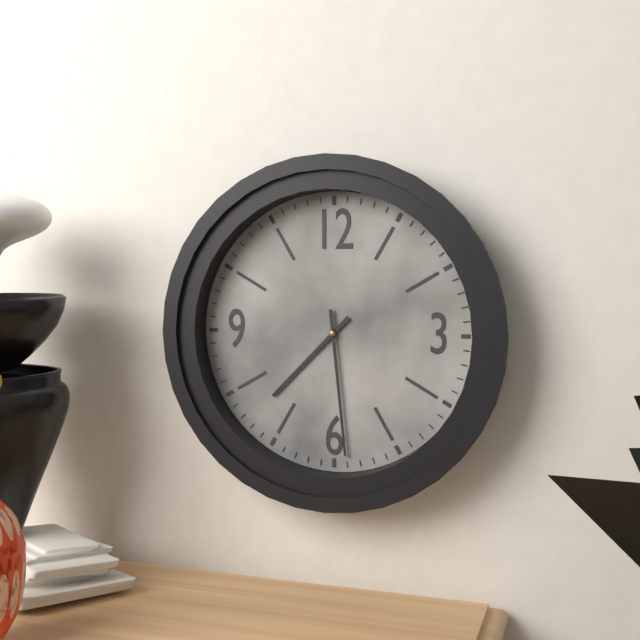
7h29
